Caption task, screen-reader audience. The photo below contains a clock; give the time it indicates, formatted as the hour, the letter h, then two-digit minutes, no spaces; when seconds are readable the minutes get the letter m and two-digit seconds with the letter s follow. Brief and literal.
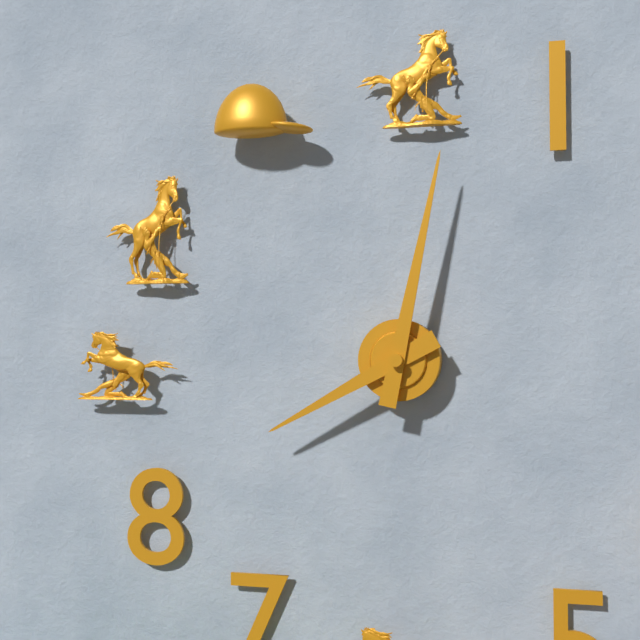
8h02
